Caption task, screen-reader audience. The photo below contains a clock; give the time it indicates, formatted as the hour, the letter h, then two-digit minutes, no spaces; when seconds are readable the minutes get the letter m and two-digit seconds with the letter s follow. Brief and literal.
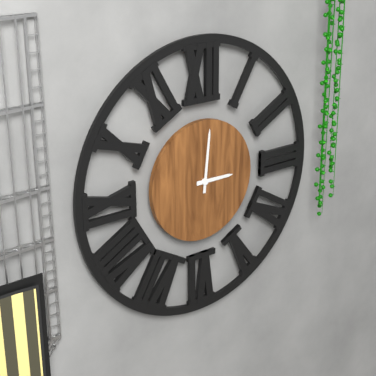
3h01
